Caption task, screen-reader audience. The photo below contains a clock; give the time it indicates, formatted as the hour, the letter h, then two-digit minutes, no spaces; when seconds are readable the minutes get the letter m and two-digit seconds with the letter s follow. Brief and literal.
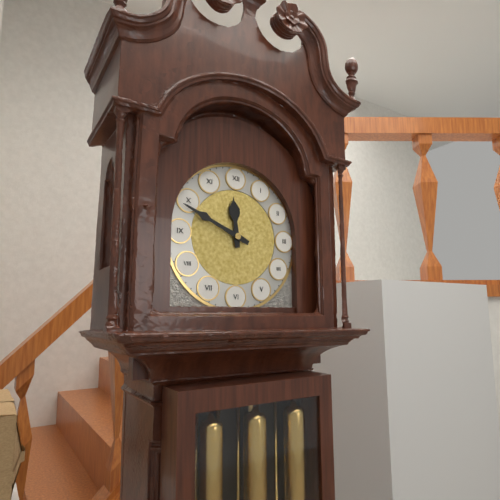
11h49
